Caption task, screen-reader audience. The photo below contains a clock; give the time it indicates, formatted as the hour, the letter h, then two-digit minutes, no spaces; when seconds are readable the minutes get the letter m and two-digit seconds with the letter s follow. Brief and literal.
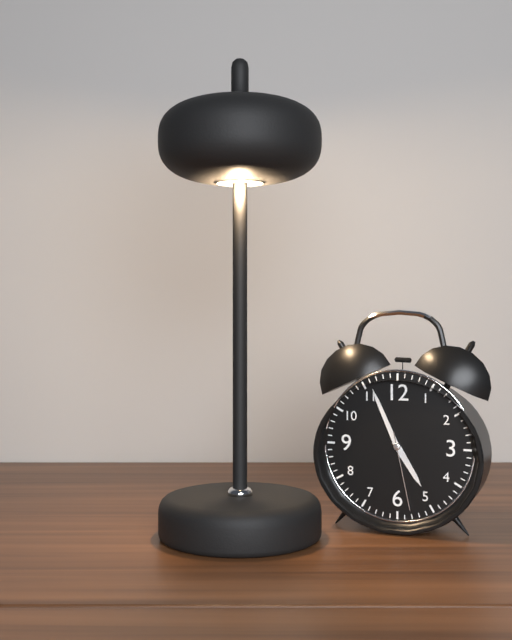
4h56m28s
